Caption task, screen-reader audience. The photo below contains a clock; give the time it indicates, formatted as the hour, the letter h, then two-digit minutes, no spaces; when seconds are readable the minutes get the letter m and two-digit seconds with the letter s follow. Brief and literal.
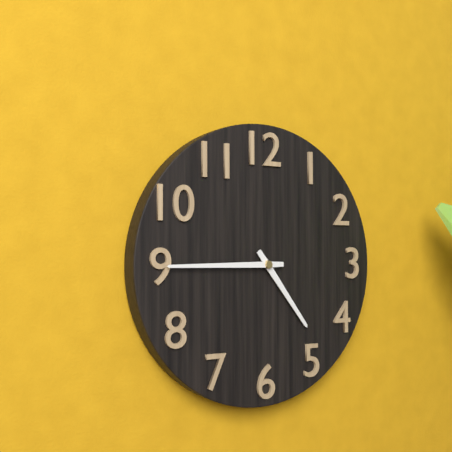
4h45
